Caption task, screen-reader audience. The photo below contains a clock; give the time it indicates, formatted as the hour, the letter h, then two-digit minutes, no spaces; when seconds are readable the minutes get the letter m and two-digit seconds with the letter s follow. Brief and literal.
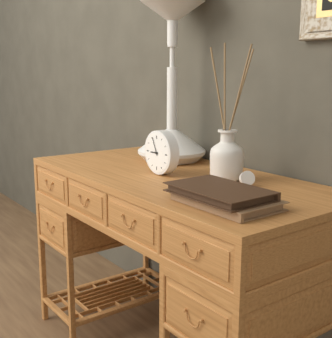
8h56
